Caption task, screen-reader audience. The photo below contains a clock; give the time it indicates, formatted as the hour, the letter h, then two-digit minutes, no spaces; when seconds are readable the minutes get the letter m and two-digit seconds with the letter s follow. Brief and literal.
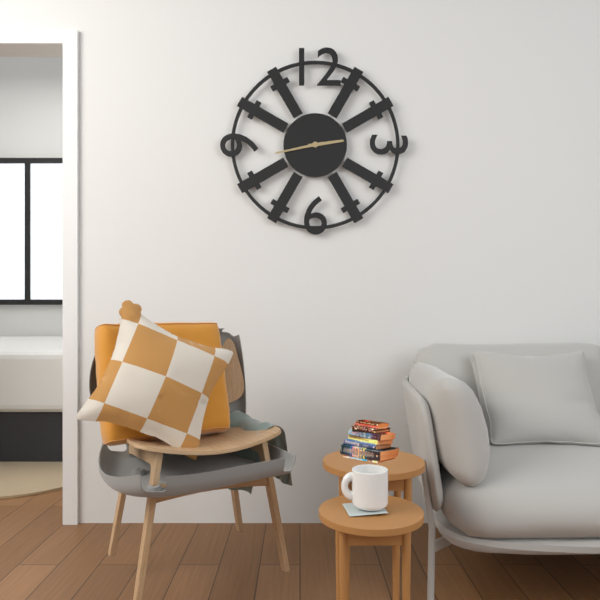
2h43
